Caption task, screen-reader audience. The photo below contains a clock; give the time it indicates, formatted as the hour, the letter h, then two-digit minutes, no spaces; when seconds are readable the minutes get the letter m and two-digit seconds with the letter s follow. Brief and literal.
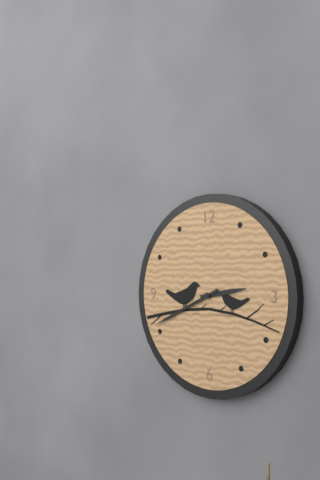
2h41
